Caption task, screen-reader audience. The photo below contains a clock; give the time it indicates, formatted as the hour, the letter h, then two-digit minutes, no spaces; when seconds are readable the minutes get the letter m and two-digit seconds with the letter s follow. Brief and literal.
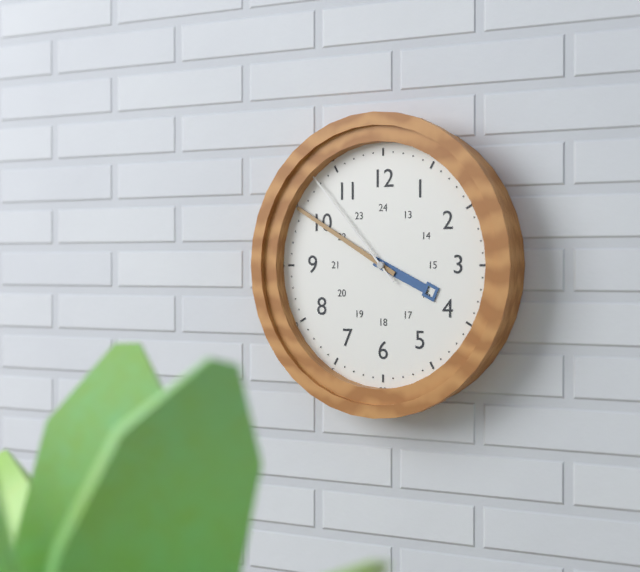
3h50m53s
